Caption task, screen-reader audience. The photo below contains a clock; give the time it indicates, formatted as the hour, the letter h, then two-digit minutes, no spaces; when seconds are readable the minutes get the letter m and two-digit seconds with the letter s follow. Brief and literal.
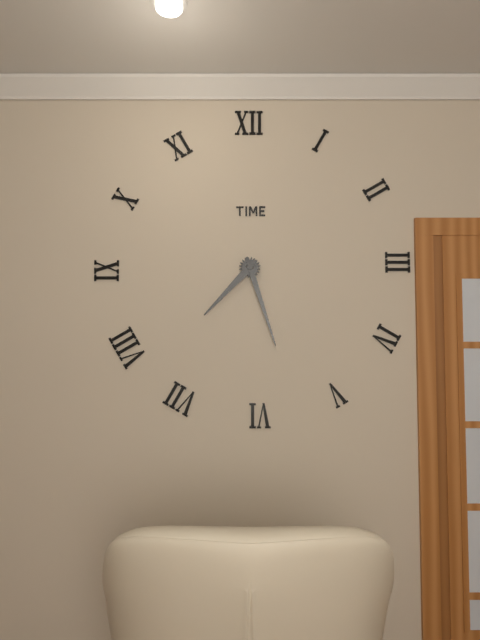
7h27
